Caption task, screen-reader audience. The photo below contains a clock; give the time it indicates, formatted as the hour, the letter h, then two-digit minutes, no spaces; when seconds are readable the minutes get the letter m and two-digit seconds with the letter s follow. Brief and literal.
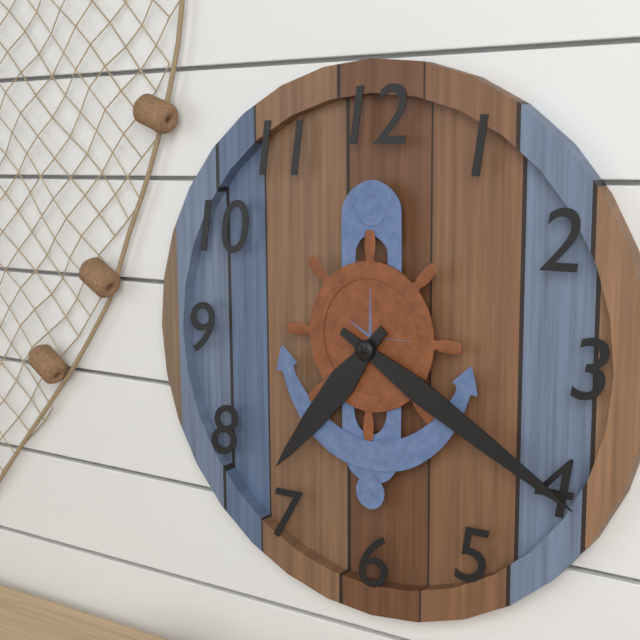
7h20
